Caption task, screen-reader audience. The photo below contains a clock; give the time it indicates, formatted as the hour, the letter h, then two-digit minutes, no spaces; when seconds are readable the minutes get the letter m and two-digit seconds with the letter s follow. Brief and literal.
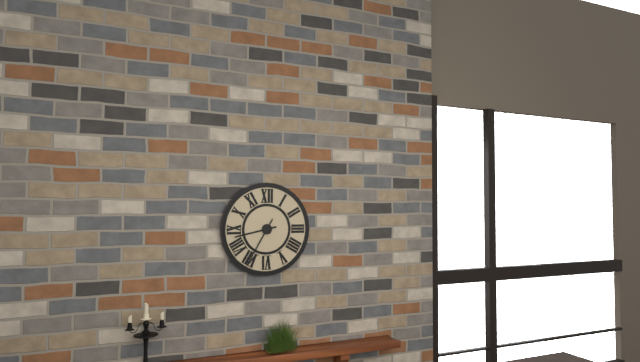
8h35
